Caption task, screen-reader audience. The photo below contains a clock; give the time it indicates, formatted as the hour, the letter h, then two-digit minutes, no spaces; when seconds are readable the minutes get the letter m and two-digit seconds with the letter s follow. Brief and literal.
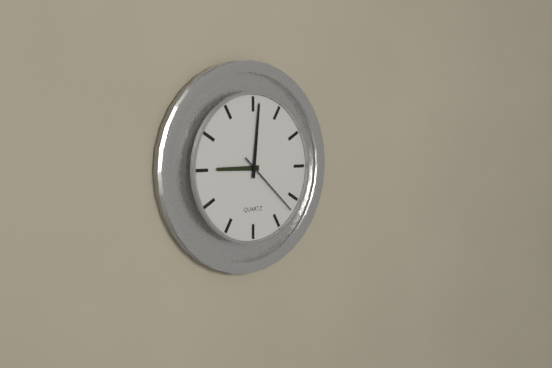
9h01m22s
